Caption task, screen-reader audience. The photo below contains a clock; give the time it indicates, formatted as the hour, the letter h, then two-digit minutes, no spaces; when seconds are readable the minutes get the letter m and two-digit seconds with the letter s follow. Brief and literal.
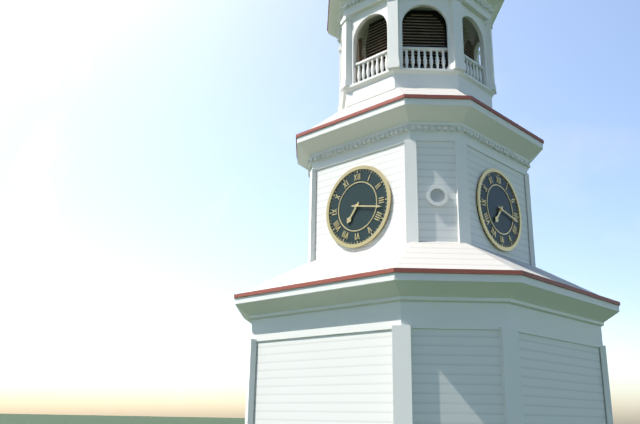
7h17
